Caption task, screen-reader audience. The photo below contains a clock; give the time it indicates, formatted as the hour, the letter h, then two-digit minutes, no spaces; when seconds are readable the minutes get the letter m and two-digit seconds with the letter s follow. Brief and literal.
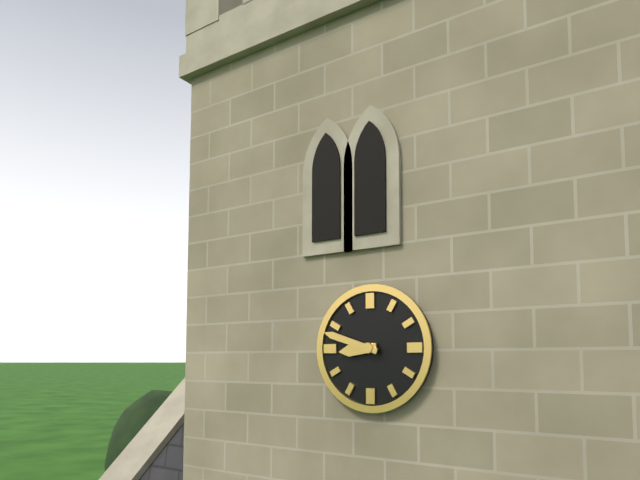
8h48
